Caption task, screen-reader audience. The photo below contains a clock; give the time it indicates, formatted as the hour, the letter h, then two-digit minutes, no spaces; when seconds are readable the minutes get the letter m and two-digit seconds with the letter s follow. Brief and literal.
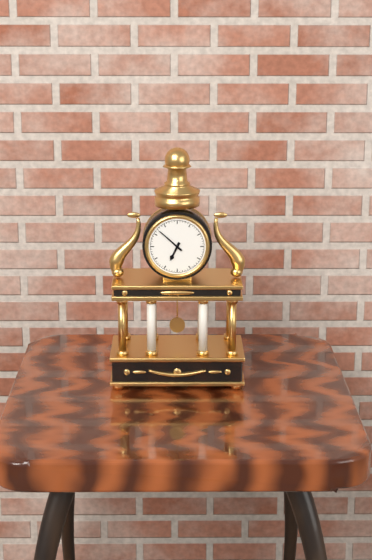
6h52
